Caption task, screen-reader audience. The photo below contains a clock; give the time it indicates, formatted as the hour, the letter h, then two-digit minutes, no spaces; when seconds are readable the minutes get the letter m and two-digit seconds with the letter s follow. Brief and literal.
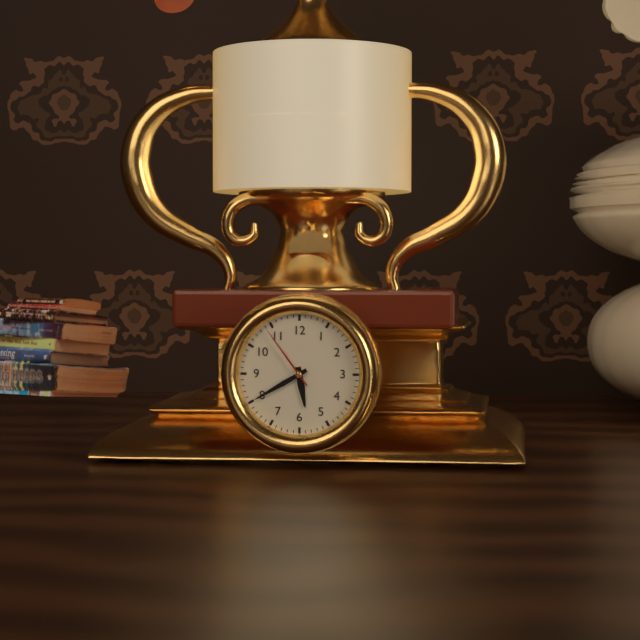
5h40m54s
